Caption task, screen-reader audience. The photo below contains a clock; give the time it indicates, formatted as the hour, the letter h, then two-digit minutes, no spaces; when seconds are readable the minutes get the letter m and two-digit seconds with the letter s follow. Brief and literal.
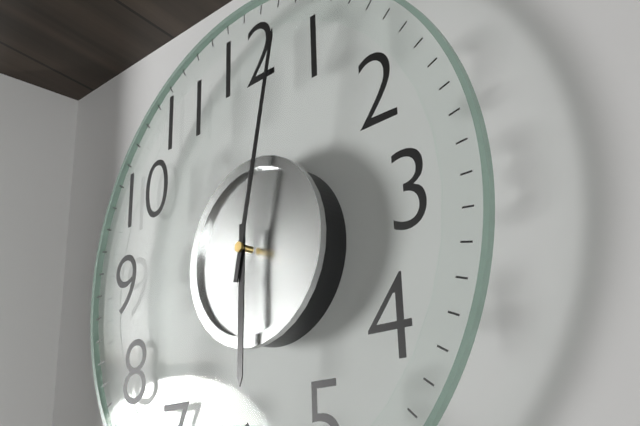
6h02
